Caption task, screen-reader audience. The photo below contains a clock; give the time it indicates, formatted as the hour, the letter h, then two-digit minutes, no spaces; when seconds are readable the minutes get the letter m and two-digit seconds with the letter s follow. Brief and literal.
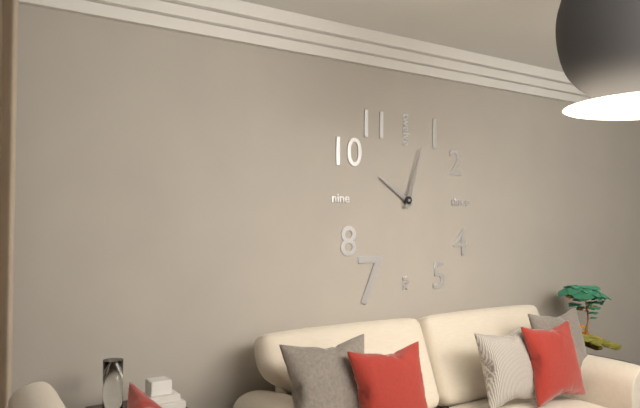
10h03
